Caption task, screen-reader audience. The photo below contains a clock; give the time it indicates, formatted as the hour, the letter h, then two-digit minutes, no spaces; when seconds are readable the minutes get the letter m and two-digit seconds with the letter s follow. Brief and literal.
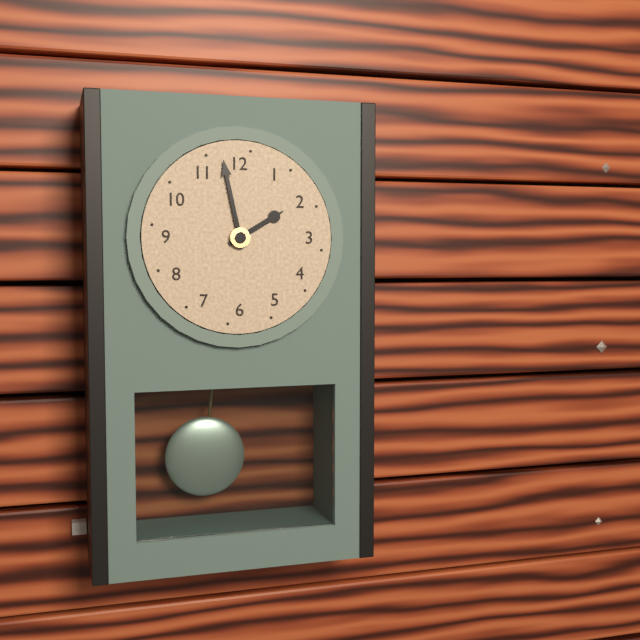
1h58
